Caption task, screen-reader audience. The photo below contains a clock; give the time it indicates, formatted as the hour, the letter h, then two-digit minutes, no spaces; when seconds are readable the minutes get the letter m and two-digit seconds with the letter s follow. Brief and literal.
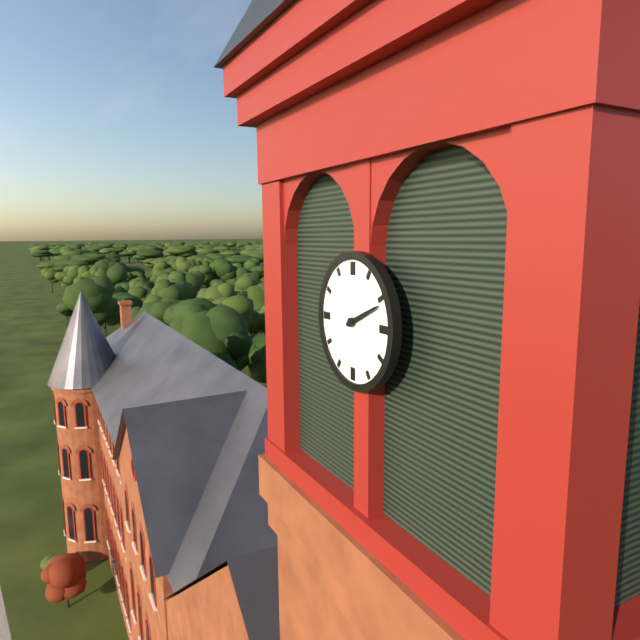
2h11
